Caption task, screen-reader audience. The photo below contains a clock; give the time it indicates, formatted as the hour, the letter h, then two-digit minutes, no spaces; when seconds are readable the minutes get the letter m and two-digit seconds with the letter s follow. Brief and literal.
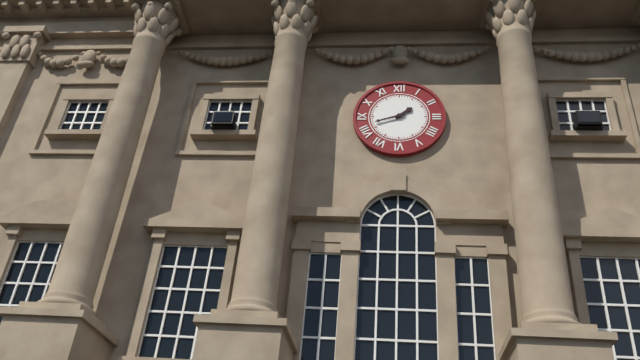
1h42
